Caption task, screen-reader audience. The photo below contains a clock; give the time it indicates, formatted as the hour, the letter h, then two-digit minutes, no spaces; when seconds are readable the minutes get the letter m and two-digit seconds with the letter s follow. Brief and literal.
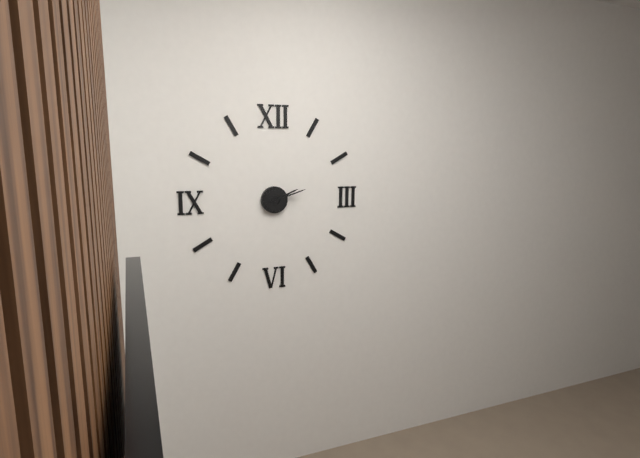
2h12
